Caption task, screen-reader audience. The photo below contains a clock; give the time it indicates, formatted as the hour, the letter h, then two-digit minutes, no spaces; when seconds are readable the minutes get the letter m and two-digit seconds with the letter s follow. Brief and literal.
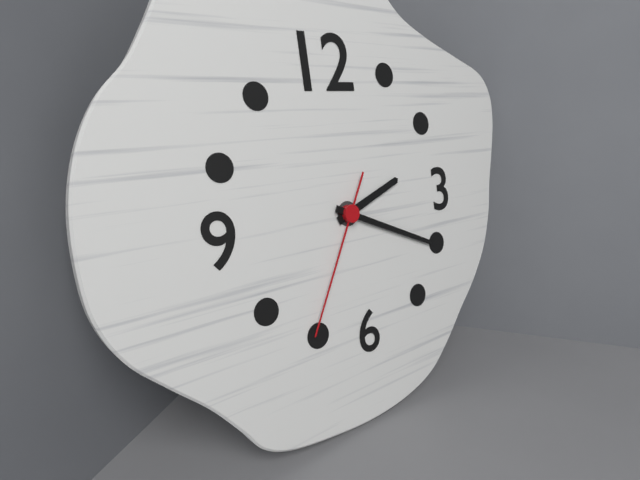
2h19m35s
